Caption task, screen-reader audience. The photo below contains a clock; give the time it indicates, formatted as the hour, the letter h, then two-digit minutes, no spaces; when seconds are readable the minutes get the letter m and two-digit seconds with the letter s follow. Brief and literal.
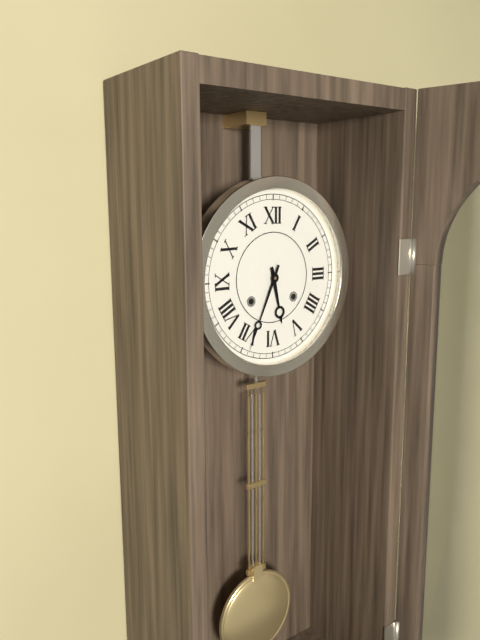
5h34
